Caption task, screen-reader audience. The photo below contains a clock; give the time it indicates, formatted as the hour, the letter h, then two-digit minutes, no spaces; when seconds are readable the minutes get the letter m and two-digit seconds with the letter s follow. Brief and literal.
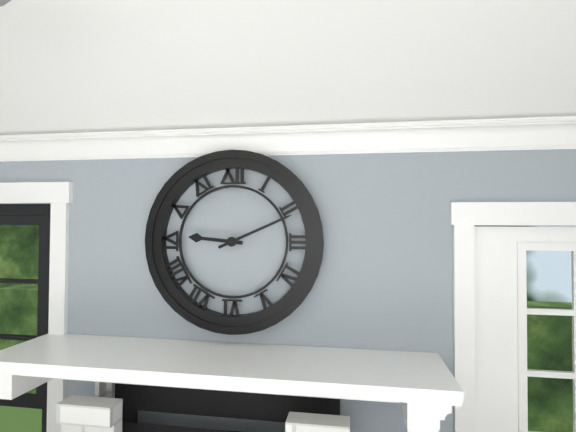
9h11
